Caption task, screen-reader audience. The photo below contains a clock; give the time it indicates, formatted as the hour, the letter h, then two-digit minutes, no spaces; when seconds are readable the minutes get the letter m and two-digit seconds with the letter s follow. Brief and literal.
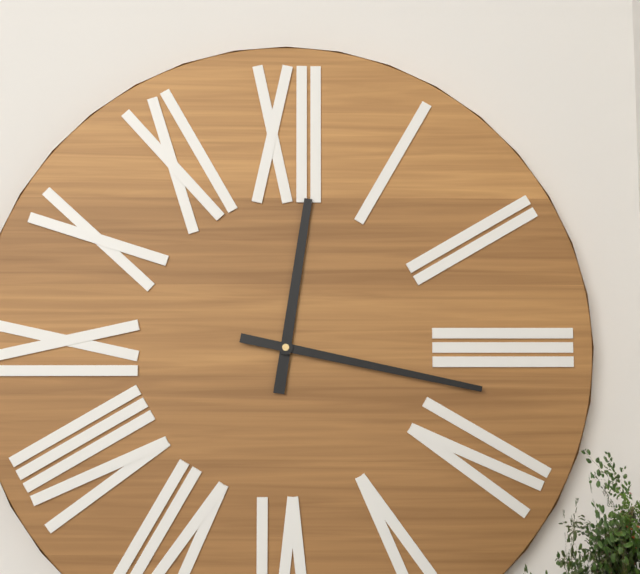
12h17
